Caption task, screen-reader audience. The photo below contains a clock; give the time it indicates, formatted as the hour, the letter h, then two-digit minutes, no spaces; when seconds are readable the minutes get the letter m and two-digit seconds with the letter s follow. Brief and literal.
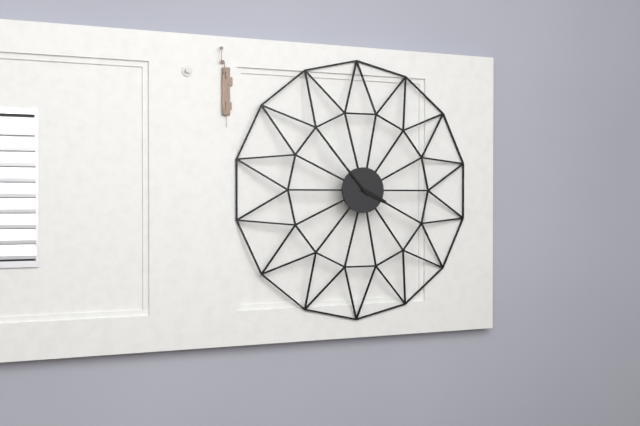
3h53
